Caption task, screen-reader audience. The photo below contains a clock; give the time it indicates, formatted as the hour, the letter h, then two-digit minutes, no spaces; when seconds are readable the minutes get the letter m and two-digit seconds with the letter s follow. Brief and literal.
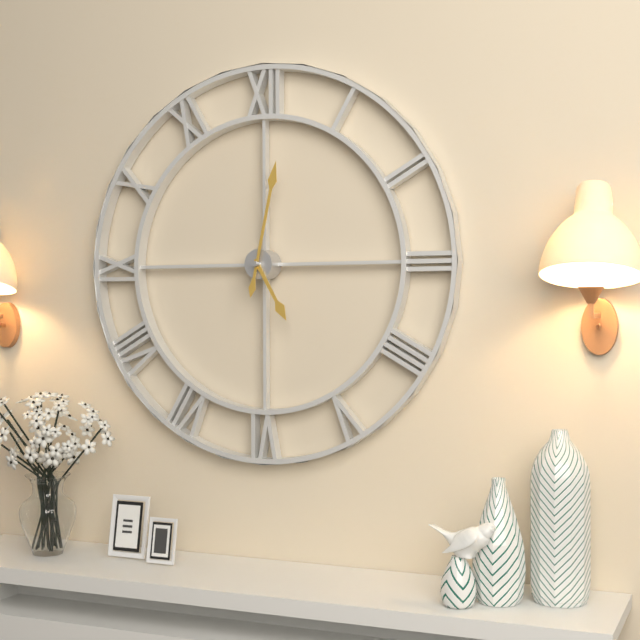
5h02
